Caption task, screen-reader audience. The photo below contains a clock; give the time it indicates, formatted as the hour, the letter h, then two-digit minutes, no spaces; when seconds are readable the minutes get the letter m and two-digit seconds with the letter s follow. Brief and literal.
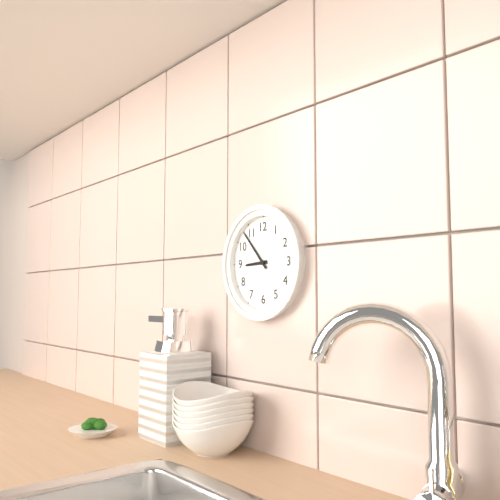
8h53
